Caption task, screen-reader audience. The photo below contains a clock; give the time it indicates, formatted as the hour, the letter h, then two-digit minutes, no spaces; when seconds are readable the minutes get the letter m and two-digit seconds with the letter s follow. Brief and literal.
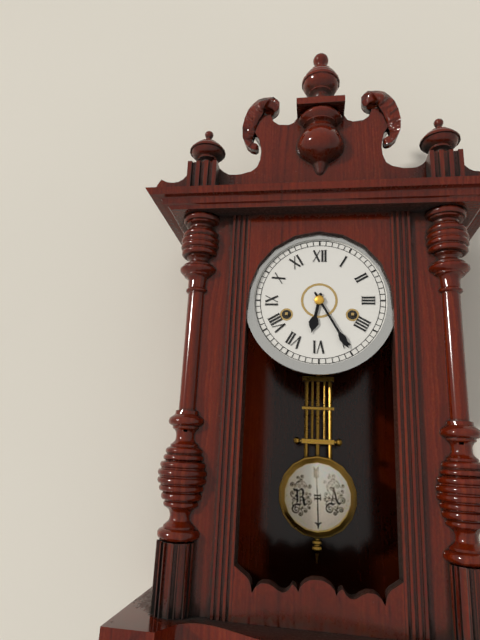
6h25
